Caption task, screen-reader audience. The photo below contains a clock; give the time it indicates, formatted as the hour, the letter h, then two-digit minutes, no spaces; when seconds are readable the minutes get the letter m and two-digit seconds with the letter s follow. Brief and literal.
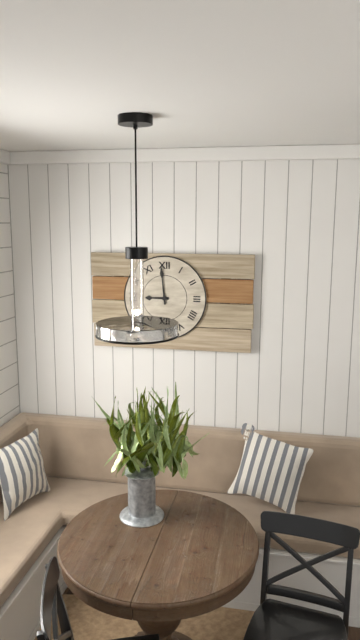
8h59
